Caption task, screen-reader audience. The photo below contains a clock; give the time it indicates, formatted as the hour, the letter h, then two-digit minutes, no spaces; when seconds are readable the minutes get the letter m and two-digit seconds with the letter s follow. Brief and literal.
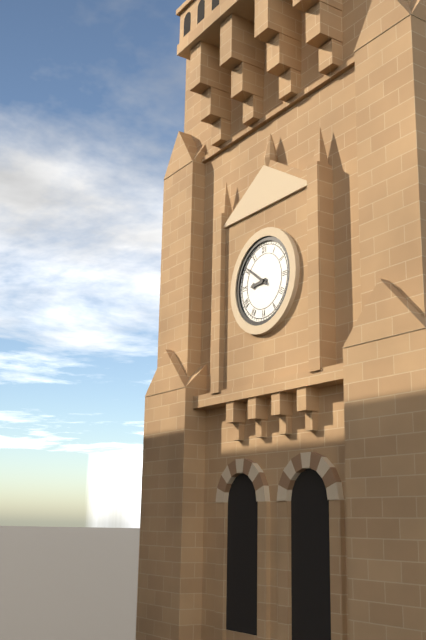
8h51
